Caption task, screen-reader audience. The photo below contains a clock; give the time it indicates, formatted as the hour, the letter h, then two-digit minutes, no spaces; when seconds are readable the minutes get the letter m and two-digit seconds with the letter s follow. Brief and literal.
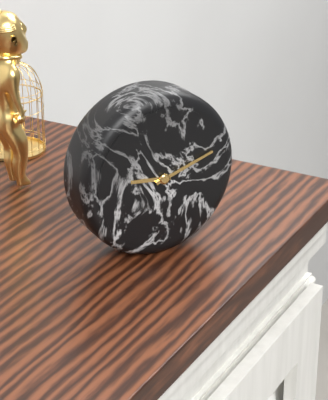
9h12
